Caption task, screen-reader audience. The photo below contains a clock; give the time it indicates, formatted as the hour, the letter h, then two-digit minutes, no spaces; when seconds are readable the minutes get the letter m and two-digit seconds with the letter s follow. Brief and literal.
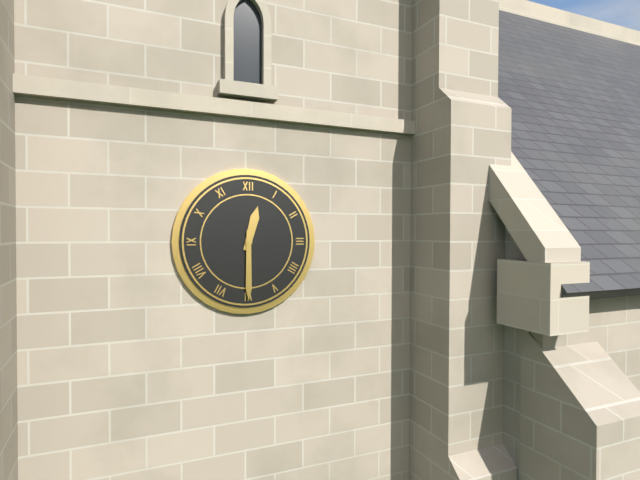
12h30
